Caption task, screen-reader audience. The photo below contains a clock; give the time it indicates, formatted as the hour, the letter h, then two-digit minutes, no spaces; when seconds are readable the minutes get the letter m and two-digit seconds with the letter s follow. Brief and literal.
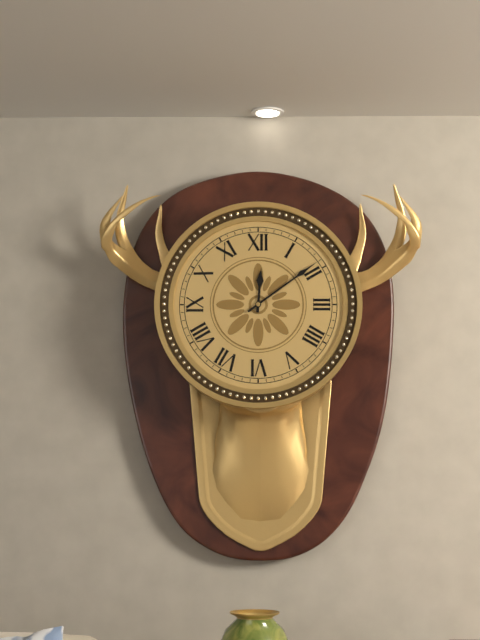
12h09
